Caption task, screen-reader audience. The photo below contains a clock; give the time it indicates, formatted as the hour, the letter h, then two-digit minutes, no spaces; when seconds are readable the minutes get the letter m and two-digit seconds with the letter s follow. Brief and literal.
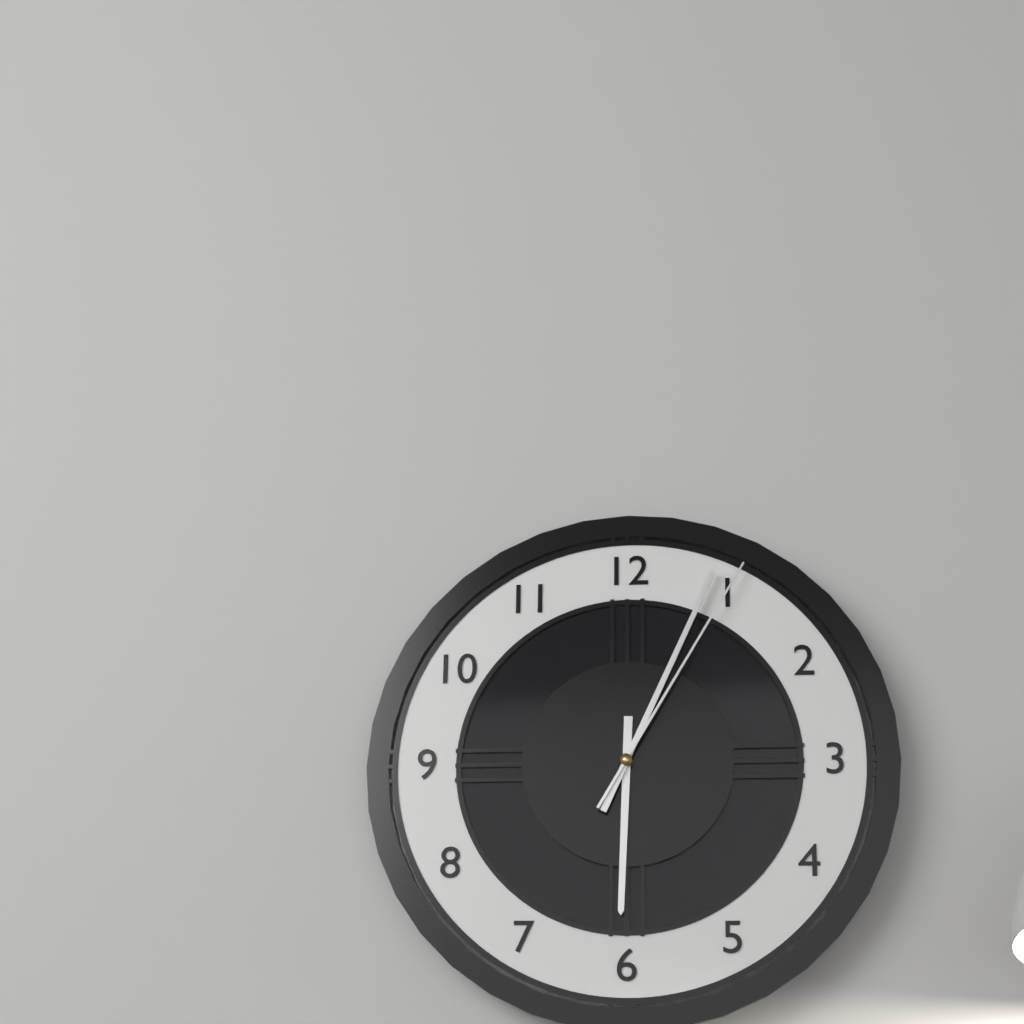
6h04m05s
